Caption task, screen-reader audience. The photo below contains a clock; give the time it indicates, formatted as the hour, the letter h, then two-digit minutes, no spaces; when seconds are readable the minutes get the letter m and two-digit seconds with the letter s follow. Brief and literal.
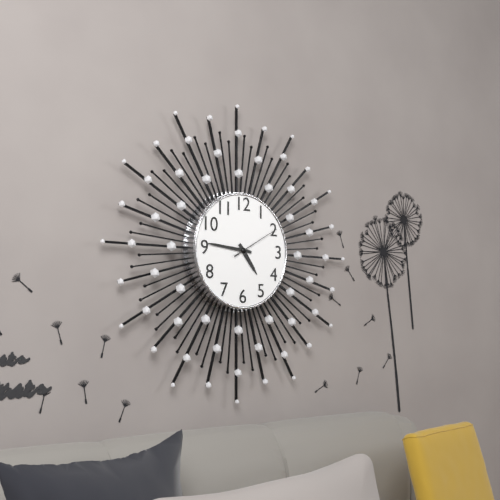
4h46
